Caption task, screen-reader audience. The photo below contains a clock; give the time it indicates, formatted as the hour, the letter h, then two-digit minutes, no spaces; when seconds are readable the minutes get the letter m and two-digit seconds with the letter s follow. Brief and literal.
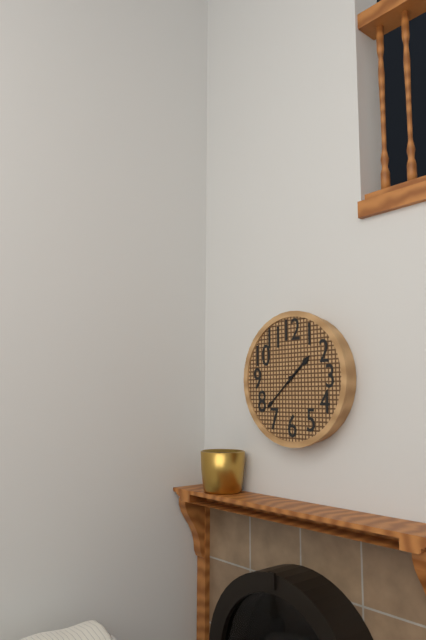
1h38
